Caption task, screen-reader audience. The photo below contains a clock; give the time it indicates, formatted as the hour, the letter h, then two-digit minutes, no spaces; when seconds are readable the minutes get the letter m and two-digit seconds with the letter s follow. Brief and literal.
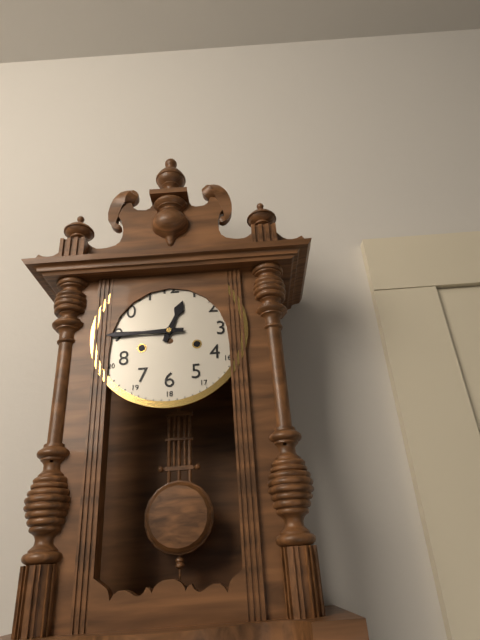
12h45
